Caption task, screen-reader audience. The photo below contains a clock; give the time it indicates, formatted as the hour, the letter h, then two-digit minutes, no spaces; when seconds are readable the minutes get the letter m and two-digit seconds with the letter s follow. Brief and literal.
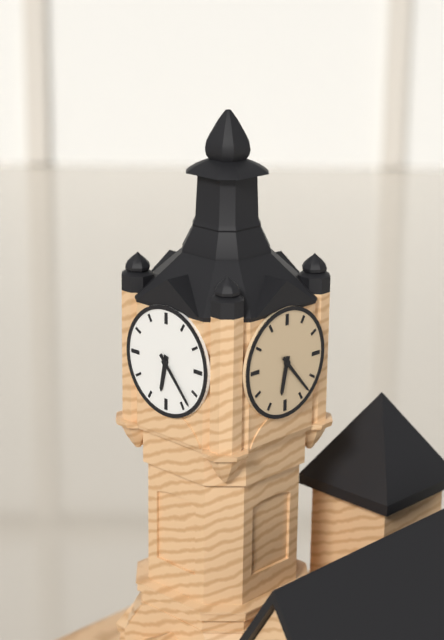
6h23
